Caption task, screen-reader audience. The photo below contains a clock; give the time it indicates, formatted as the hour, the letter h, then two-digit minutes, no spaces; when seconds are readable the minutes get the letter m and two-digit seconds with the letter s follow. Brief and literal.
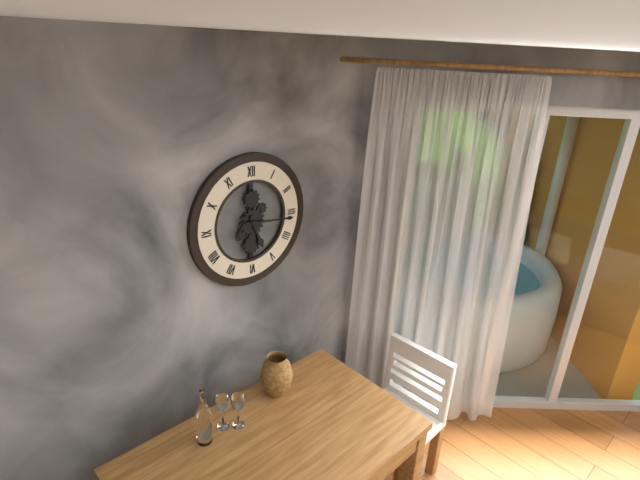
5h16
